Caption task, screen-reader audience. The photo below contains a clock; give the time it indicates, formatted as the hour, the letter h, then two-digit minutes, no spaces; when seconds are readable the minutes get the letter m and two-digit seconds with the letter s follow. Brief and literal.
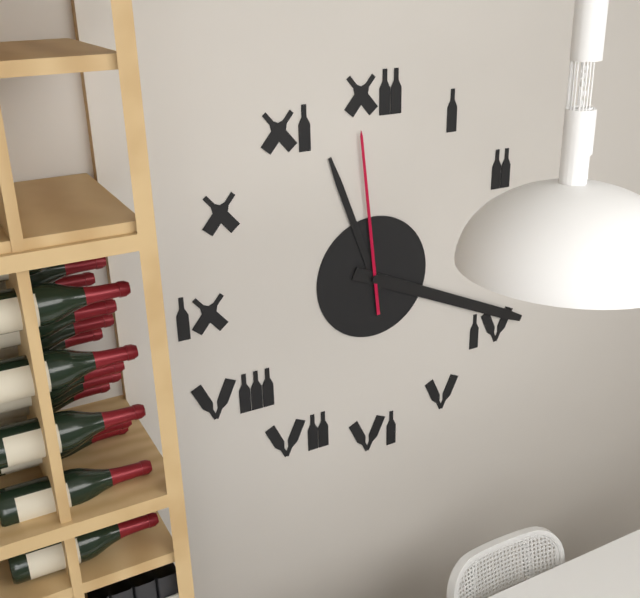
11h19m59s
